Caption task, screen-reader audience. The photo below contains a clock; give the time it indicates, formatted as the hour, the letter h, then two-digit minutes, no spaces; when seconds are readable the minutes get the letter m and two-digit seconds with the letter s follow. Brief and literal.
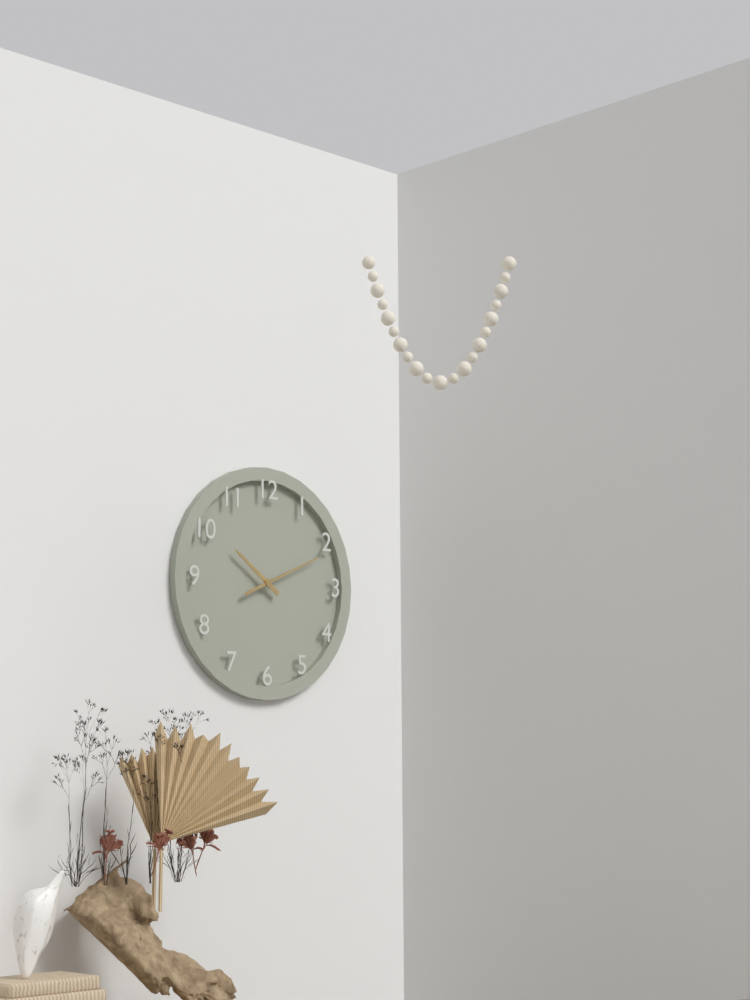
10h11
